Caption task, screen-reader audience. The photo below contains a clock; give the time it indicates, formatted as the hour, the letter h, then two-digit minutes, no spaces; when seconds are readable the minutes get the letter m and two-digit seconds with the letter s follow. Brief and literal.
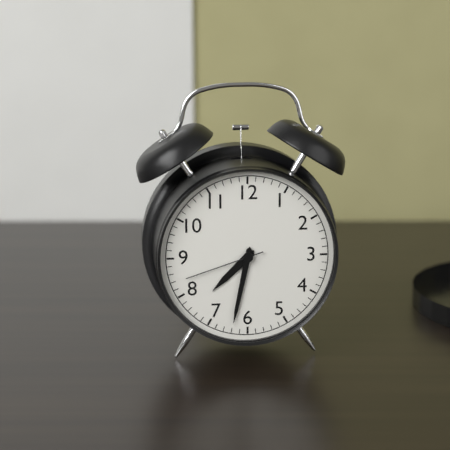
7h32m42s
